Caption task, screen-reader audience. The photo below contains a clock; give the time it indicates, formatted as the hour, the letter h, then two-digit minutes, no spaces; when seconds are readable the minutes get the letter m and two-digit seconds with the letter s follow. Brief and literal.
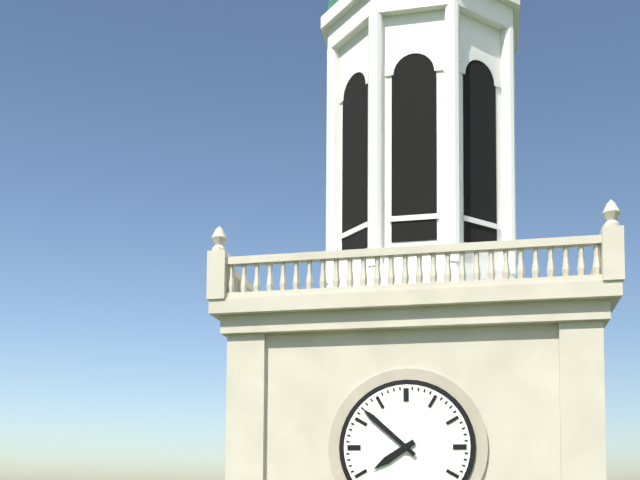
7h52
